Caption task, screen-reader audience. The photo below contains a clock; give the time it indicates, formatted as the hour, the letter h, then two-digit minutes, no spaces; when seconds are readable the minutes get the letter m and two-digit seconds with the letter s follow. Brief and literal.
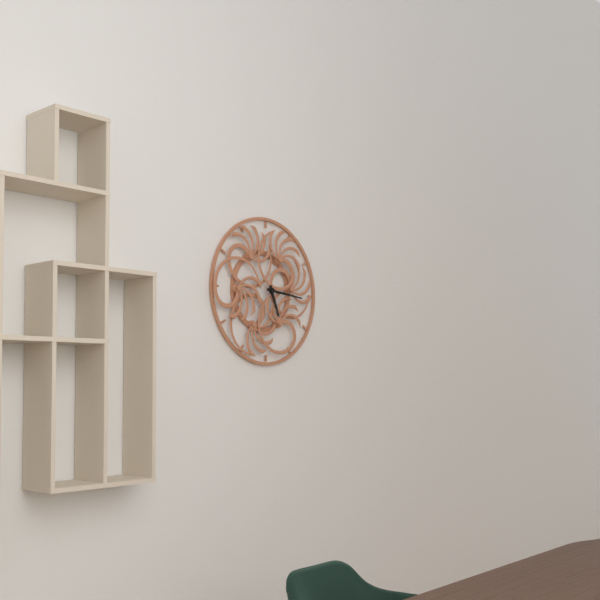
5h16
